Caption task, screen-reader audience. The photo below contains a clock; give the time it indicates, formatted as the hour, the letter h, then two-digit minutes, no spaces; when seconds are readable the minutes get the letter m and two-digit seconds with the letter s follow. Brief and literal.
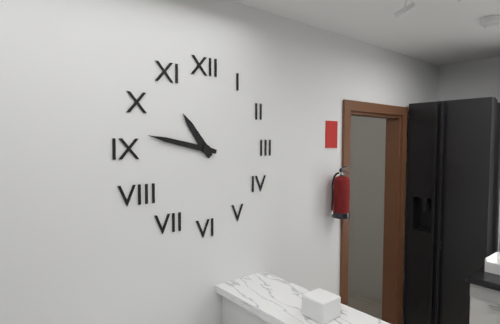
10h47
